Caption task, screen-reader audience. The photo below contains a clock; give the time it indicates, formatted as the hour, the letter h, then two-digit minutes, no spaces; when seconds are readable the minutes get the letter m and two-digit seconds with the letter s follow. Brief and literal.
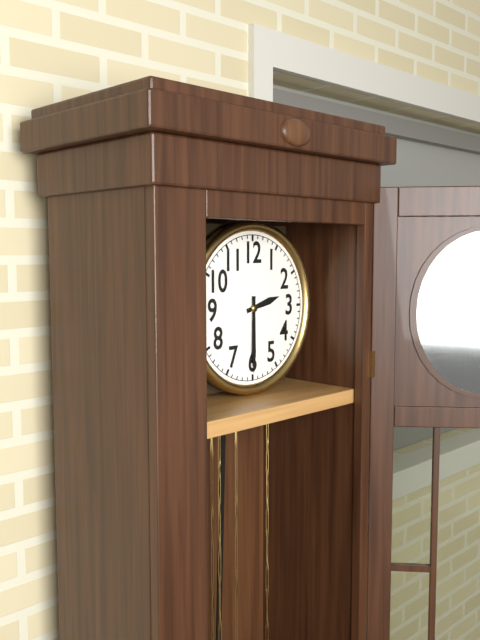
2h30
